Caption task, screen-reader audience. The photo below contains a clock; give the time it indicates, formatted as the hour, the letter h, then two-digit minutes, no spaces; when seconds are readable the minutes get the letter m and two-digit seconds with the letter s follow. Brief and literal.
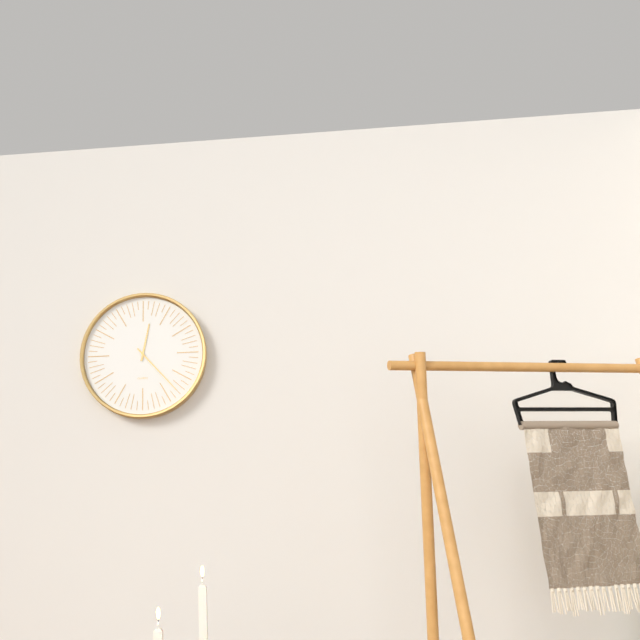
12h23
